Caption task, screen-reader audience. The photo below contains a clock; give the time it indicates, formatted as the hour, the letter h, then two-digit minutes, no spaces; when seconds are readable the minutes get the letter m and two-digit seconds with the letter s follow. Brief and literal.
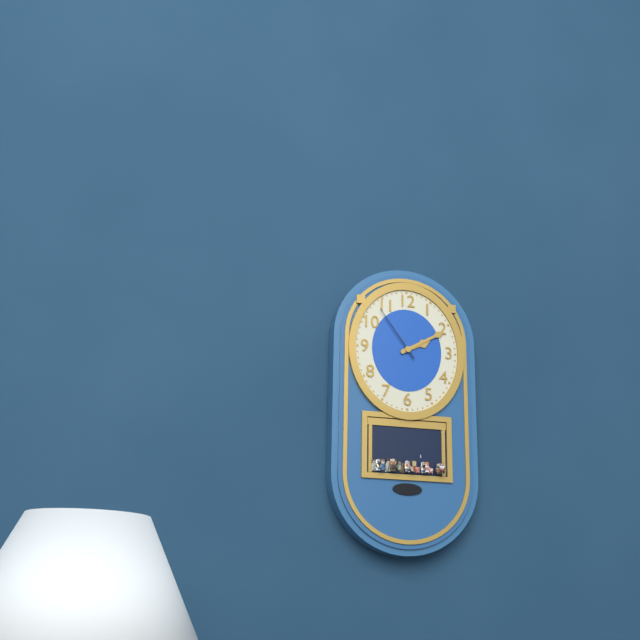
2h10m54s
